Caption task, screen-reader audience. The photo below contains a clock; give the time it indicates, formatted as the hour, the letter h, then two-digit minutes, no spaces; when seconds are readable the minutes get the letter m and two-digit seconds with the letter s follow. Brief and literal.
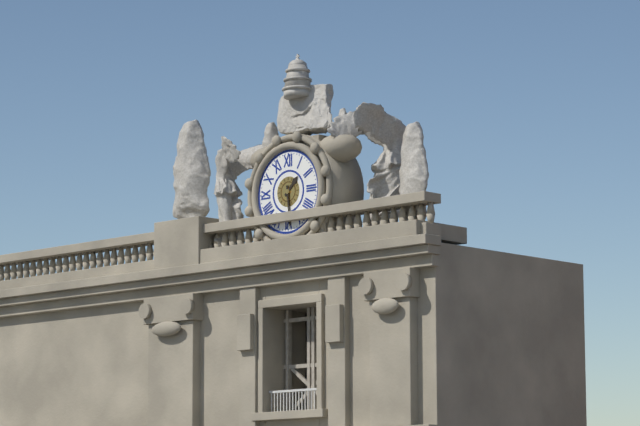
1h29
